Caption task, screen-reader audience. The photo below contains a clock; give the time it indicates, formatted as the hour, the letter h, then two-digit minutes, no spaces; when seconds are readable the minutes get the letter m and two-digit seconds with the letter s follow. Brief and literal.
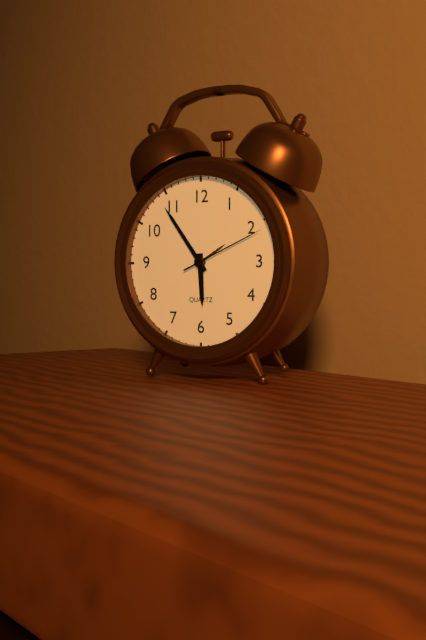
5h54m11s
